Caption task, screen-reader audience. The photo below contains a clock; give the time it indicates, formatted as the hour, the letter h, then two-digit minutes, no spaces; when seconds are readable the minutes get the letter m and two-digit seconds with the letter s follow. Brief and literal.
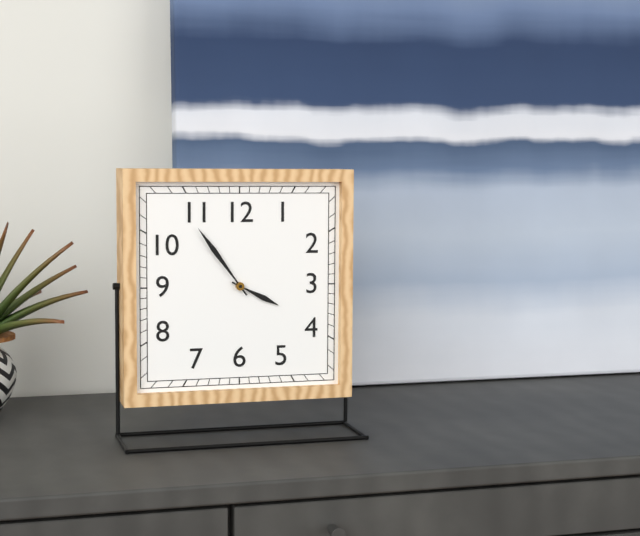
3h54
